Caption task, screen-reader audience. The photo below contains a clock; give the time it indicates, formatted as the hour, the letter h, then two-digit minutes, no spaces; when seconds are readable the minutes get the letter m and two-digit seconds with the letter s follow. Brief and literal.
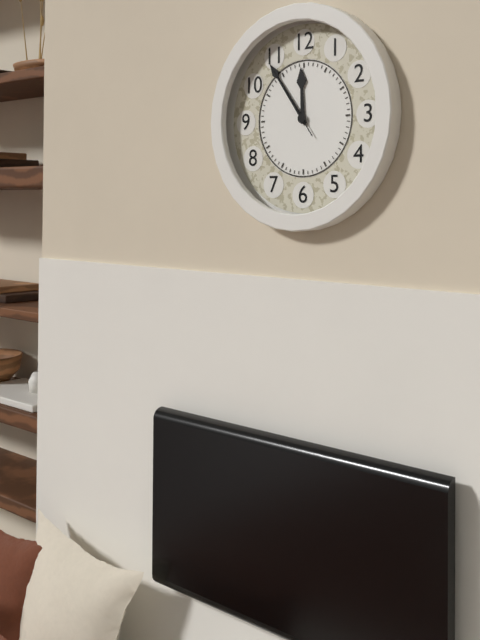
11h54m54s
